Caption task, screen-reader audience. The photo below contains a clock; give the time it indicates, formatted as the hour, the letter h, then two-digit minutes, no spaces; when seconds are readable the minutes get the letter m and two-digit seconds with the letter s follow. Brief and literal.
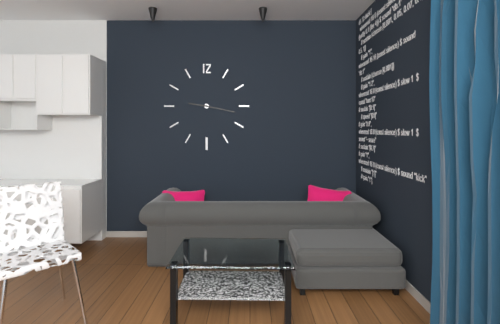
9h17
